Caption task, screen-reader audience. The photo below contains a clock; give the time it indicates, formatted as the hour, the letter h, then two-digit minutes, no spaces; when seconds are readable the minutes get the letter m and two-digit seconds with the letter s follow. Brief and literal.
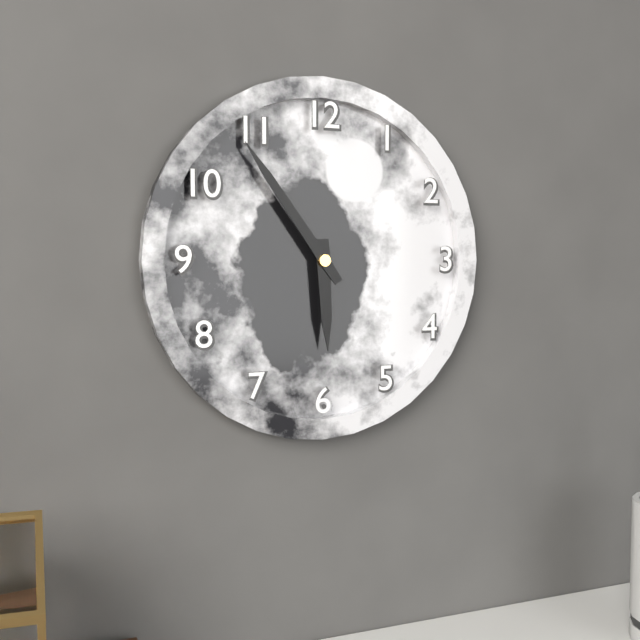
5h54
